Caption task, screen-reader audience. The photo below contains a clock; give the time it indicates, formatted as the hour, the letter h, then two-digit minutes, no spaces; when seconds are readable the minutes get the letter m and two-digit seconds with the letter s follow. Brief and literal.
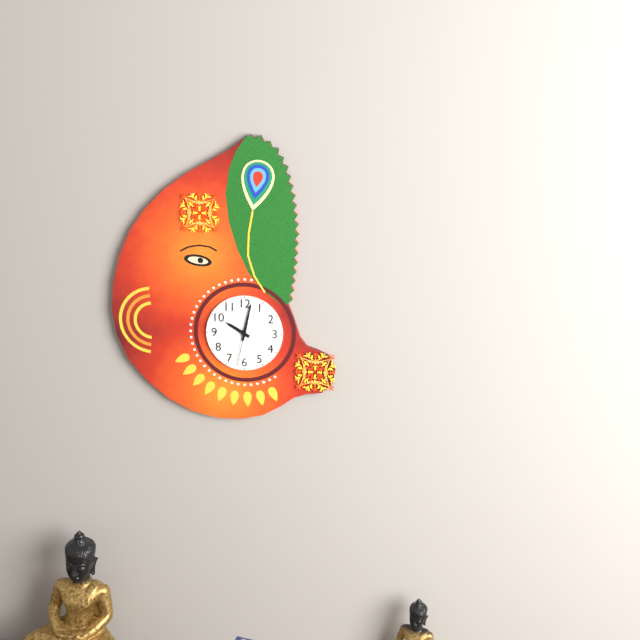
10h02
